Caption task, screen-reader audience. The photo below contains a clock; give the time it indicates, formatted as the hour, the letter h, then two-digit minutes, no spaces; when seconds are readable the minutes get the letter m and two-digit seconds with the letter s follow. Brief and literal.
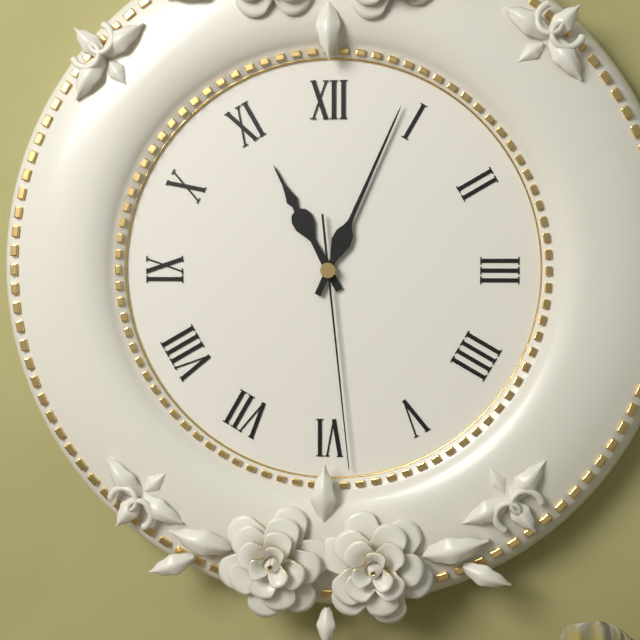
11h04m29s
